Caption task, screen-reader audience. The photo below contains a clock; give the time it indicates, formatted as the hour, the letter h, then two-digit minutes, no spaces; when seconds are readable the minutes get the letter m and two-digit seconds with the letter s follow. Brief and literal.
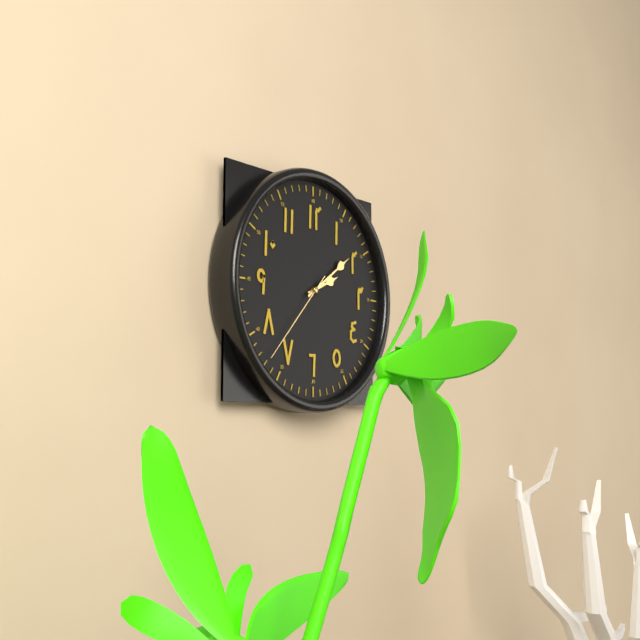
2h09m37s
